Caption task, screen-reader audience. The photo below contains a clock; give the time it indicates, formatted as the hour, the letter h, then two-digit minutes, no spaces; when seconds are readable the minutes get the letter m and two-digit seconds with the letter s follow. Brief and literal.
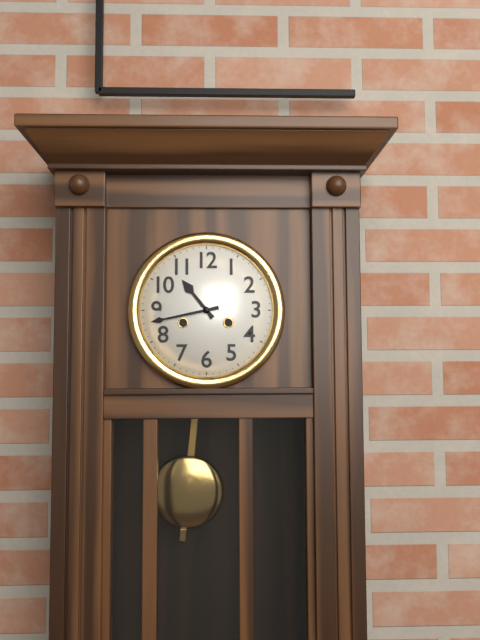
10h43
